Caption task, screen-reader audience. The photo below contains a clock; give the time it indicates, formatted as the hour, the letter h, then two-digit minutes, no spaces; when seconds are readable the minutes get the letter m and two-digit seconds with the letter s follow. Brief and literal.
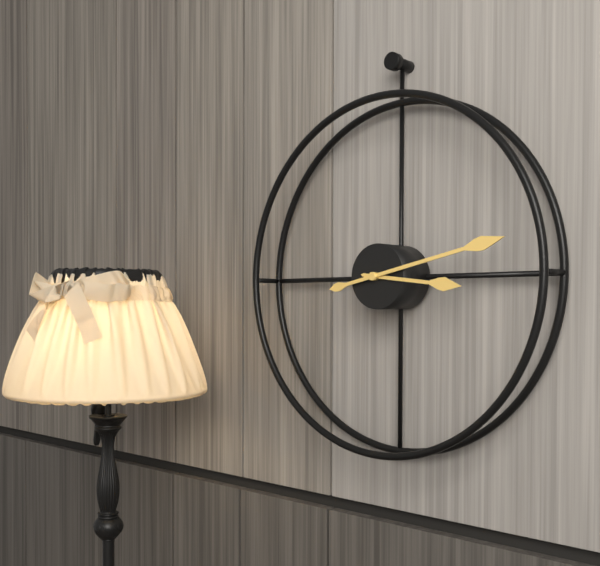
3h13
